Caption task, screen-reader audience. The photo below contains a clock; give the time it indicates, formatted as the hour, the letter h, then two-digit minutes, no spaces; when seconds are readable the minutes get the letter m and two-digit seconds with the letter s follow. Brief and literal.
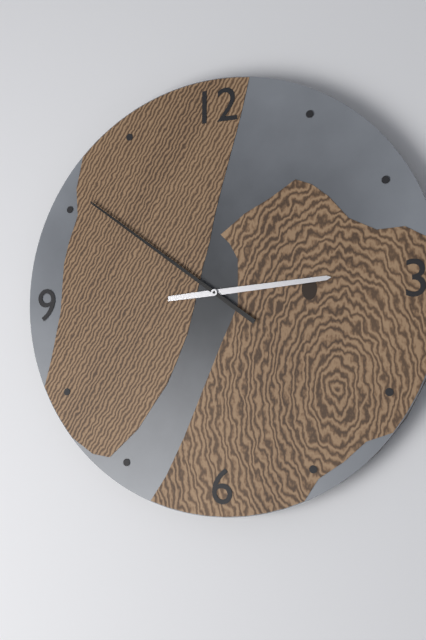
2h51
